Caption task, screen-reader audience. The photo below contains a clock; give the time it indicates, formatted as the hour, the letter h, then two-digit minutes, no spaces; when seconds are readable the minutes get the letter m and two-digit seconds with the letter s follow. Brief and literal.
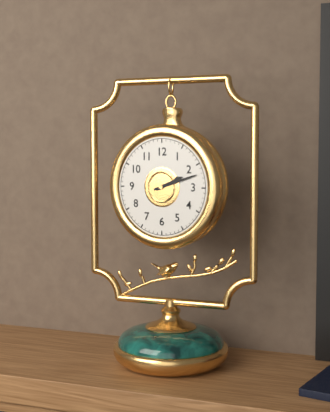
2h12
